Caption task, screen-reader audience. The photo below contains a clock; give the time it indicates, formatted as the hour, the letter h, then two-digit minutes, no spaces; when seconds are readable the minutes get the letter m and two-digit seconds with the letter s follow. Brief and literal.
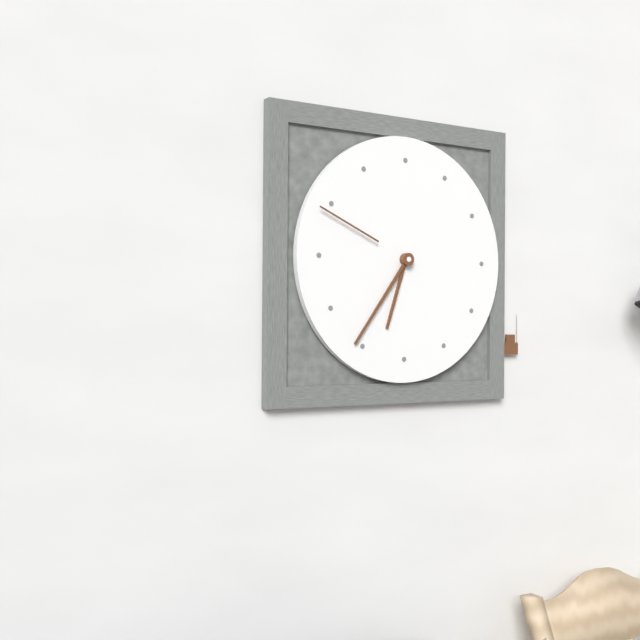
6h36m49s
